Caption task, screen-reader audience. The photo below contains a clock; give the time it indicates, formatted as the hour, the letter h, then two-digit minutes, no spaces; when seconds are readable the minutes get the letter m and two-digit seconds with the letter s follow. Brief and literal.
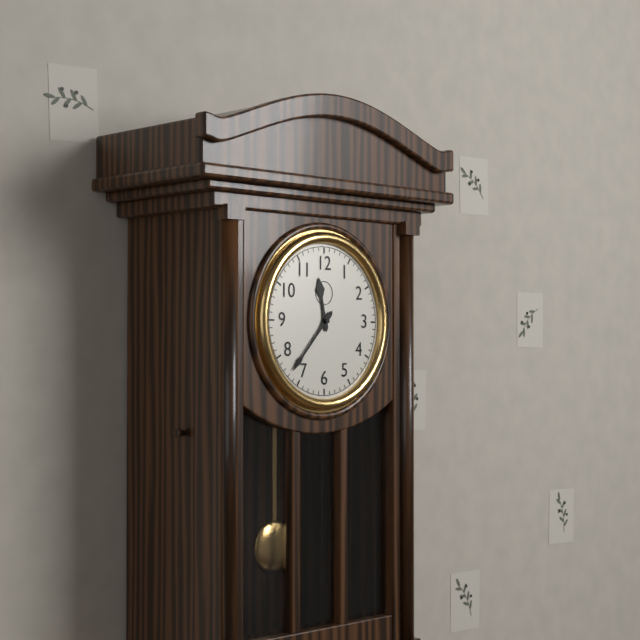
11h37
